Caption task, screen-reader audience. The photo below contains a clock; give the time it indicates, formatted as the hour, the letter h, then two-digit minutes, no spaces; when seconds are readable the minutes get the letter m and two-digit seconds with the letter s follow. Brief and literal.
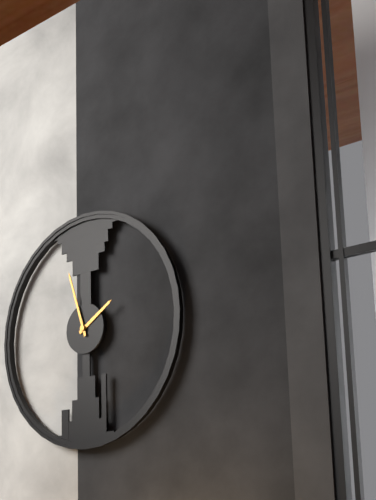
1h57
